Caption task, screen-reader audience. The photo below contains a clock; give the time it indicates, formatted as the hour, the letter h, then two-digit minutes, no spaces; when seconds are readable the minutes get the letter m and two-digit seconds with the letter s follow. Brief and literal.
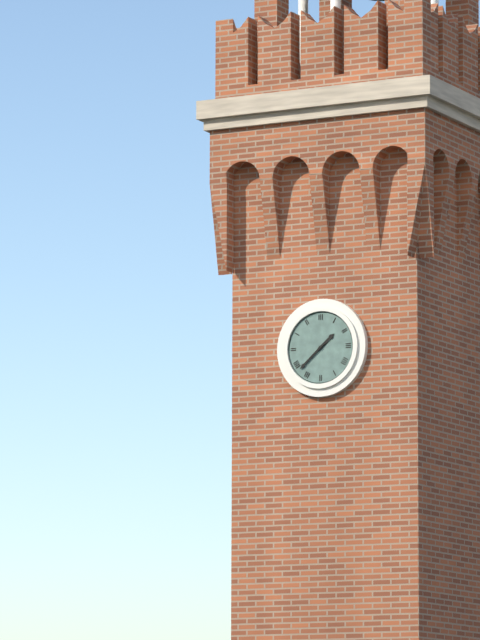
1h38
